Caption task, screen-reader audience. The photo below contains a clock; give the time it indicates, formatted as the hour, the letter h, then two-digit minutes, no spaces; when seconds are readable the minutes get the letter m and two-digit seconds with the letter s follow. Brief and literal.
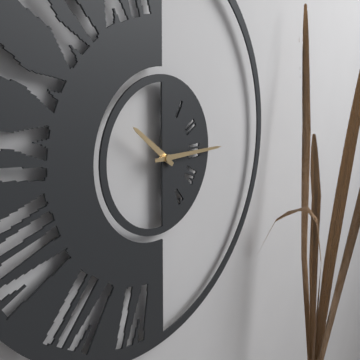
10h15
